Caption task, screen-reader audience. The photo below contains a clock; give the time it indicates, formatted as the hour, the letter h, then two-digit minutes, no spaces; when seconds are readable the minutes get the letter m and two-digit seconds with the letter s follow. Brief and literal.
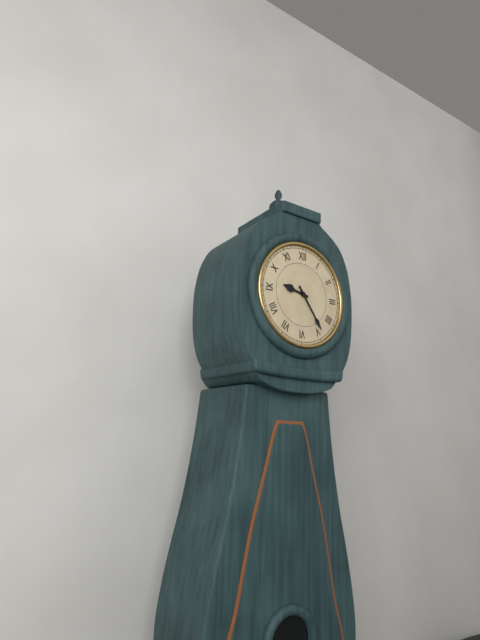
9h24
